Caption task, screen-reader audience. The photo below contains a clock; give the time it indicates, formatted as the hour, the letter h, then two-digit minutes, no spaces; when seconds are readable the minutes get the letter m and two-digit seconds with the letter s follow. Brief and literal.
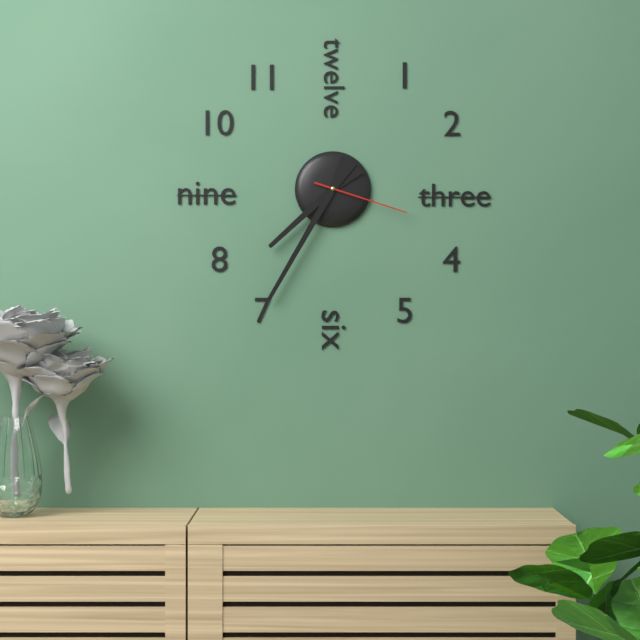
7h35m18s
